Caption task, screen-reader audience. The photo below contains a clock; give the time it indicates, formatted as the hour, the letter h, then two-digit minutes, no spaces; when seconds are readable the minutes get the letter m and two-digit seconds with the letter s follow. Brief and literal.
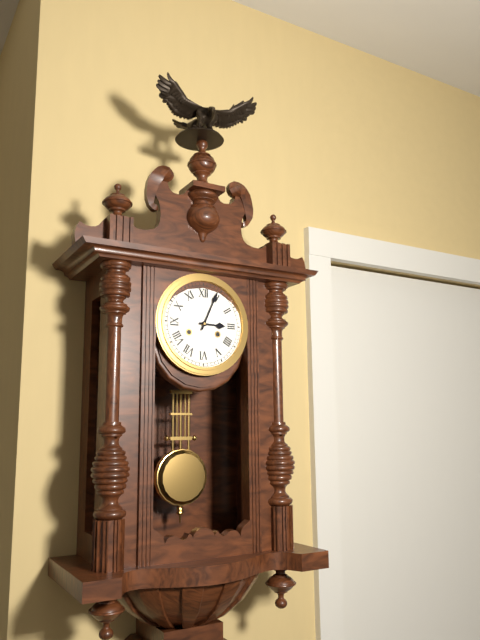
3h04
